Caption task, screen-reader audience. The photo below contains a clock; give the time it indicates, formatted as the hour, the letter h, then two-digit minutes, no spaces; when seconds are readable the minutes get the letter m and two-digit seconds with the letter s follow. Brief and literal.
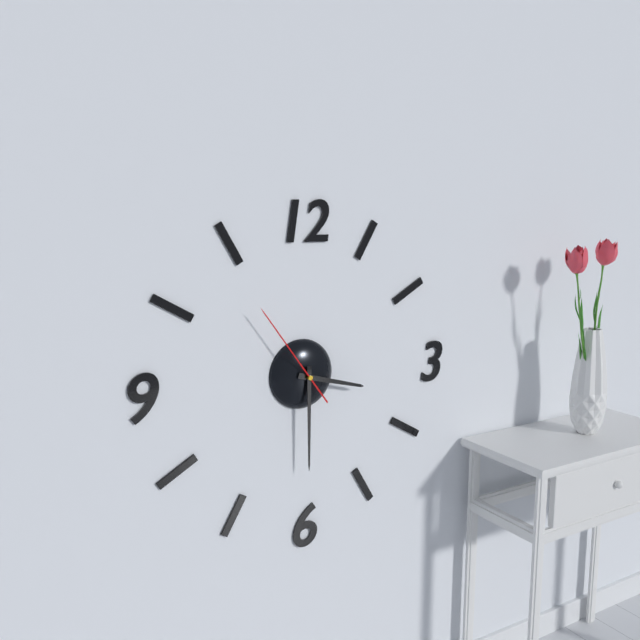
3h30m54s
